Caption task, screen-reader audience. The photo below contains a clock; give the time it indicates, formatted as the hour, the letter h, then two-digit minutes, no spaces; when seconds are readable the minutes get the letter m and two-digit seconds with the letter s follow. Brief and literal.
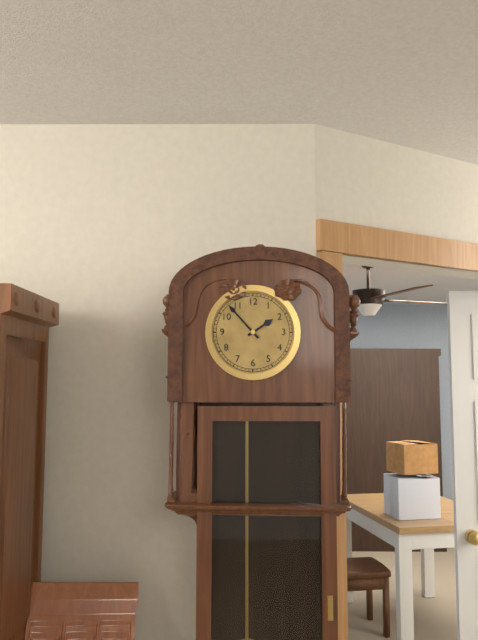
1h53
